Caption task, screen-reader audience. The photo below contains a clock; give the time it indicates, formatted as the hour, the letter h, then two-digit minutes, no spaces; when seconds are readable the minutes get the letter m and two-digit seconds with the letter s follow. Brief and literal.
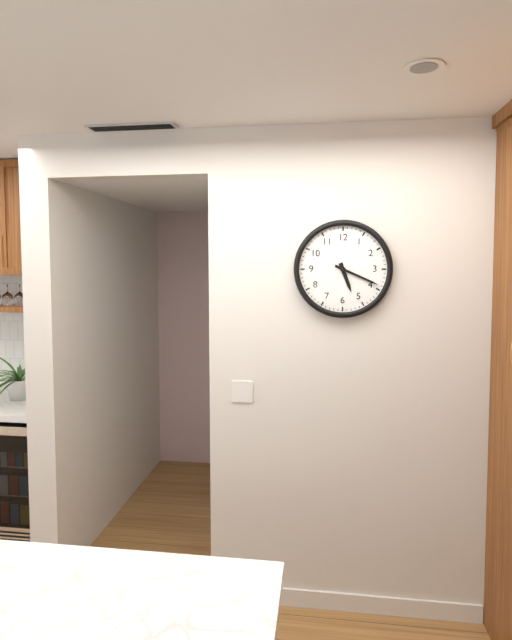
5h19
